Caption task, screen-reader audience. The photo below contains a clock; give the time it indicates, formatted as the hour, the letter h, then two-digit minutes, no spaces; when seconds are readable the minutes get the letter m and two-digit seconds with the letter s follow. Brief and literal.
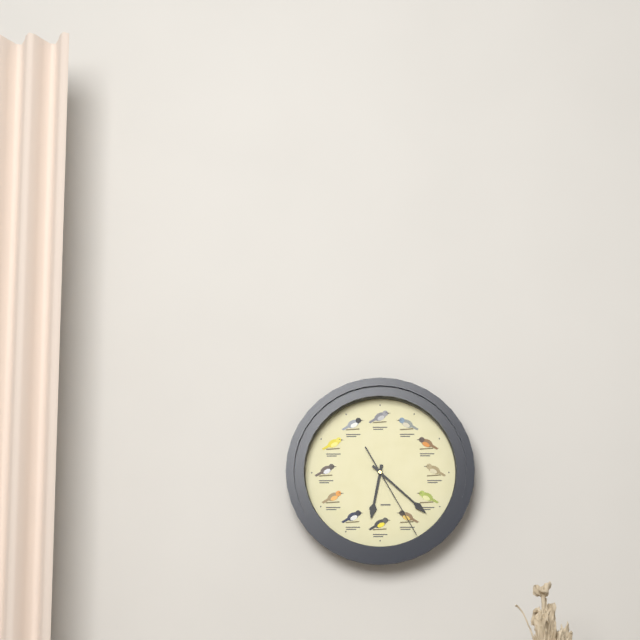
6h22m25s
